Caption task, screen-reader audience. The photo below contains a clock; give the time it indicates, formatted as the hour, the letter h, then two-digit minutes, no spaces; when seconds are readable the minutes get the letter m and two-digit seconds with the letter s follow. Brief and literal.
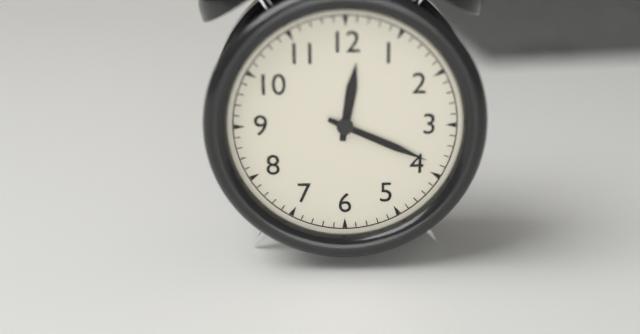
12h19
